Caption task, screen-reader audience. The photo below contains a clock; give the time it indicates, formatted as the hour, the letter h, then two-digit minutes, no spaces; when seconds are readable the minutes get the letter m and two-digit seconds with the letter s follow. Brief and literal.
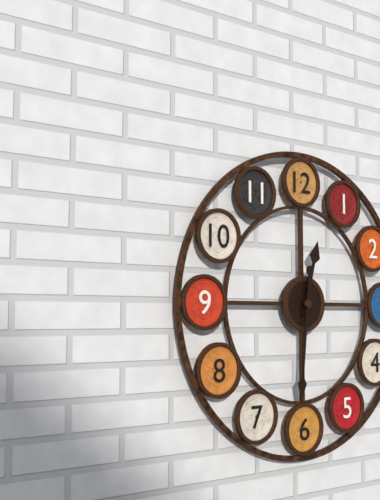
12h31
